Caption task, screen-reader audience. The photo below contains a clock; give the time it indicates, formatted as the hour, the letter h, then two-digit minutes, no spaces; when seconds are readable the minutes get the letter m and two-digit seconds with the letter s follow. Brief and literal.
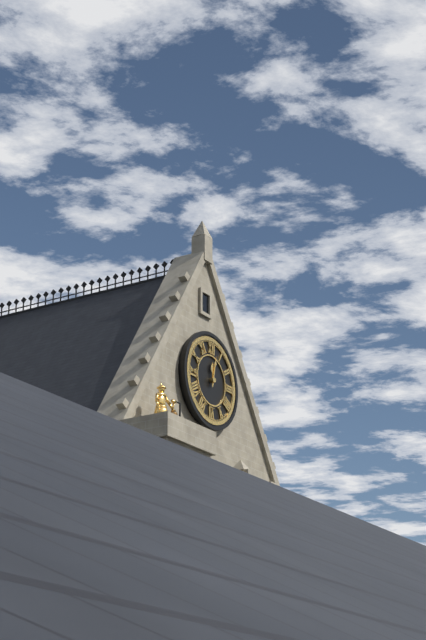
12h02
